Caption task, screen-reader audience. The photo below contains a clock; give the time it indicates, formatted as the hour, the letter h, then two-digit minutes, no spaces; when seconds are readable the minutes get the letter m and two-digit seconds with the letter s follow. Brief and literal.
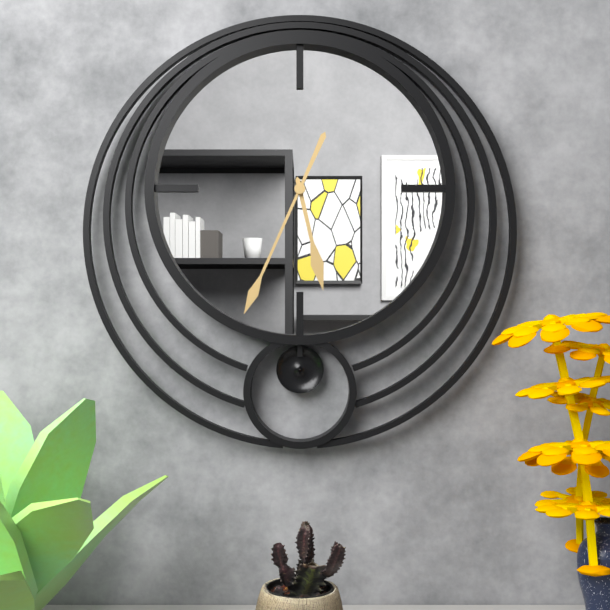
5h34
